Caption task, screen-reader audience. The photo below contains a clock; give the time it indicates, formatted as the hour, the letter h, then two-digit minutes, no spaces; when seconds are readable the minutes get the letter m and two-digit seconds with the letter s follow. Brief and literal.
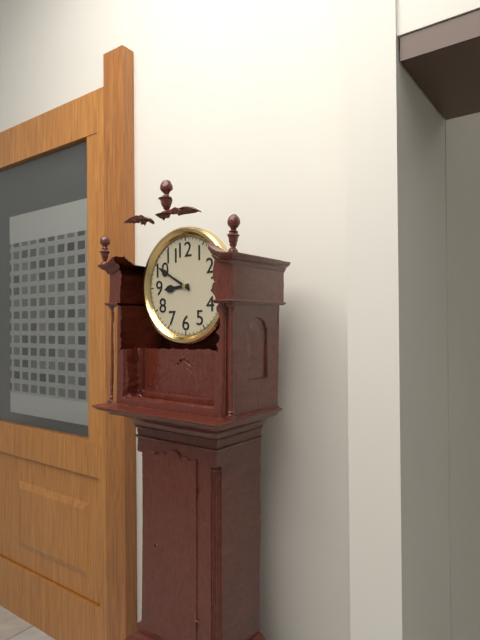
8h50
